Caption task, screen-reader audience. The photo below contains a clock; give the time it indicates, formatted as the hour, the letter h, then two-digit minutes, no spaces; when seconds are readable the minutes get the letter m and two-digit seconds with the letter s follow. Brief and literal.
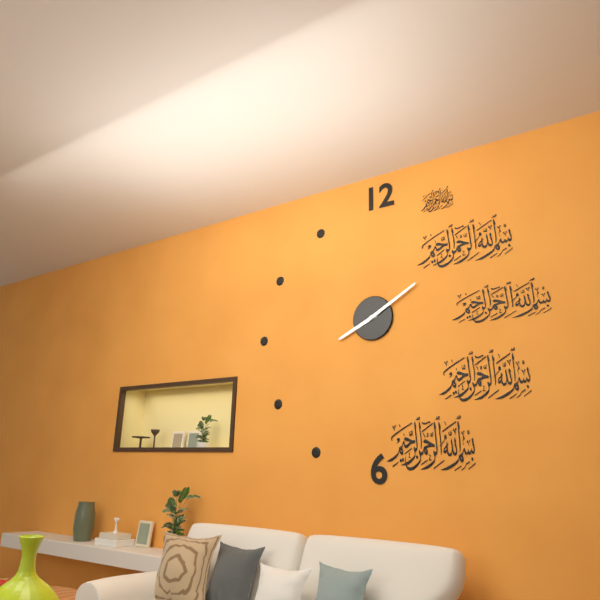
8h10
